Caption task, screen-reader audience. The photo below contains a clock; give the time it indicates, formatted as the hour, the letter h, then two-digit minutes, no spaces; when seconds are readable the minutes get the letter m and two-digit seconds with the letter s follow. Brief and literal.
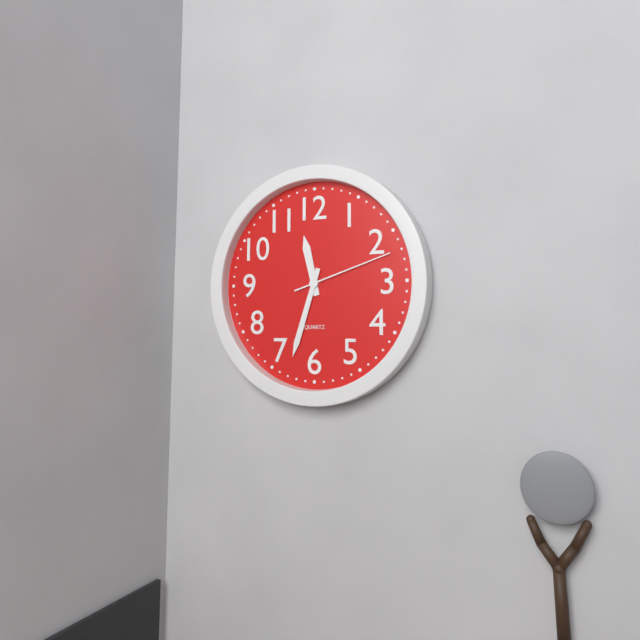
11h33m12s
